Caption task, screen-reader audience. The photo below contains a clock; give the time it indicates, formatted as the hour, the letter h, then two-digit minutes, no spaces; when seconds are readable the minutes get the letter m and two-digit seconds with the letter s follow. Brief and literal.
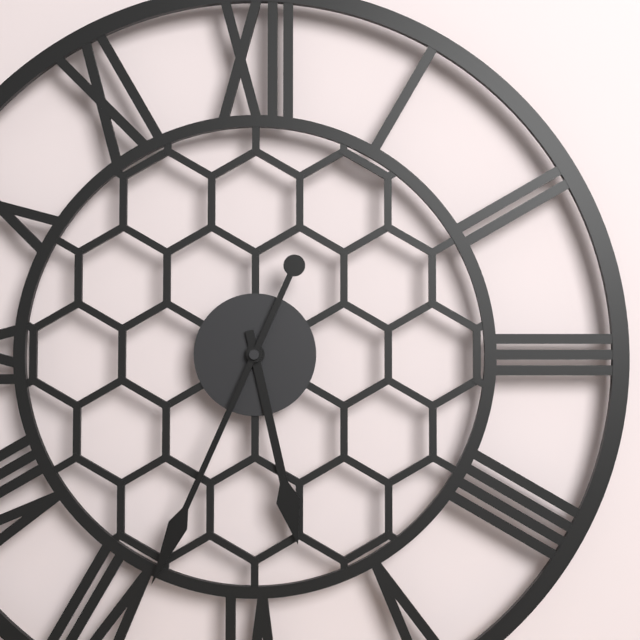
5h34
